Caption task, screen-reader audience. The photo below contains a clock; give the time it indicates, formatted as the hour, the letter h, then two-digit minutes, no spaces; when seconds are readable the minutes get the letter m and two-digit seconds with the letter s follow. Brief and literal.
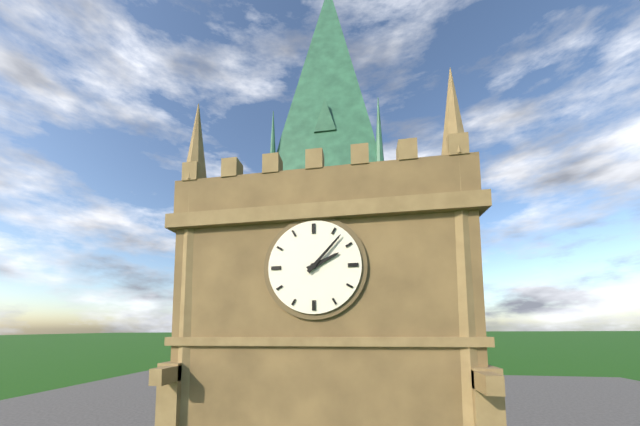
2h07
